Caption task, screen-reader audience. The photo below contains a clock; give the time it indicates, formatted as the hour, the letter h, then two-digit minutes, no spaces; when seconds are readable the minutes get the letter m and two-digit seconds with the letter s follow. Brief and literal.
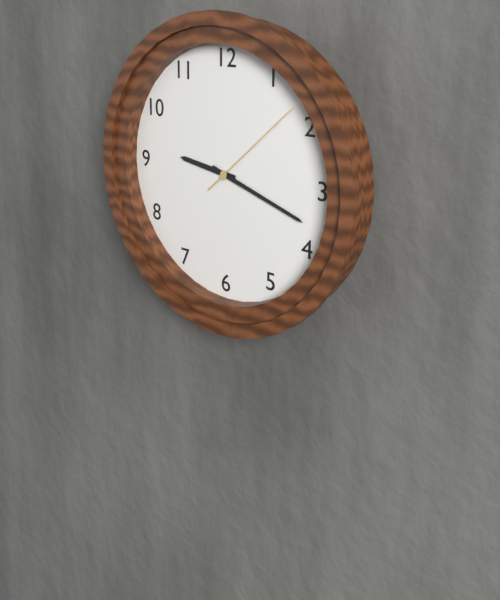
9h18m08s
